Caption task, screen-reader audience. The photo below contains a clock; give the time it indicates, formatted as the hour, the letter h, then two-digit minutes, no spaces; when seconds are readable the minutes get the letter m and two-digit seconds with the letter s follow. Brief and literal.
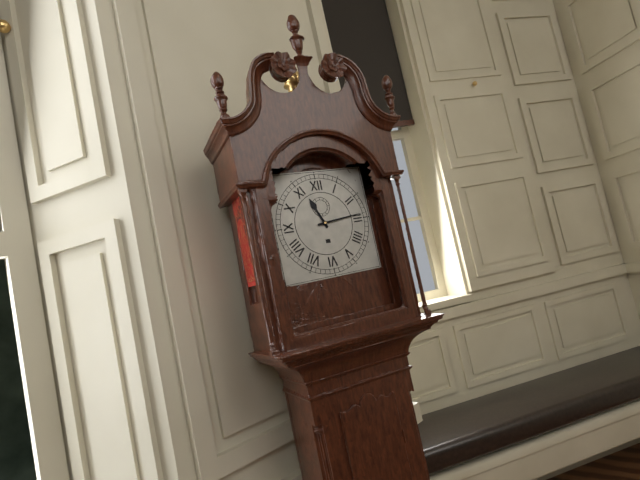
11h14
